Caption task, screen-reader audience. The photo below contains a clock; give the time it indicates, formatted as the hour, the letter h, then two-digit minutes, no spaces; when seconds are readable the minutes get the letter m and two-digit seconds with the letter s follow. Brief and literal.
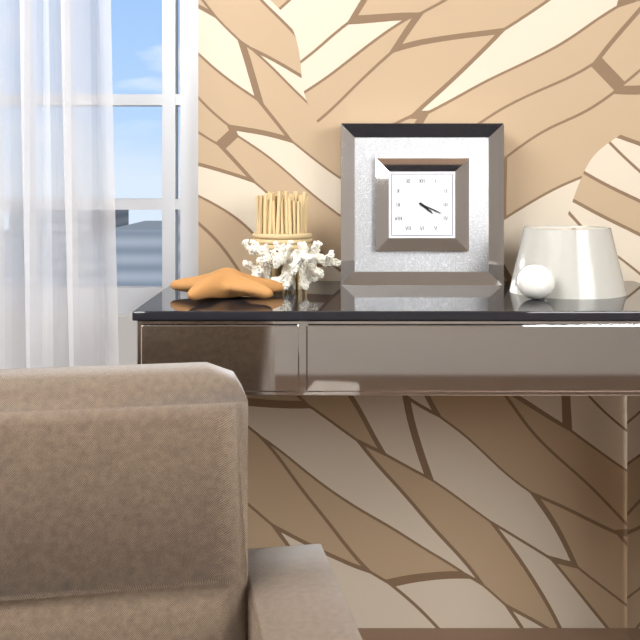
4h19
